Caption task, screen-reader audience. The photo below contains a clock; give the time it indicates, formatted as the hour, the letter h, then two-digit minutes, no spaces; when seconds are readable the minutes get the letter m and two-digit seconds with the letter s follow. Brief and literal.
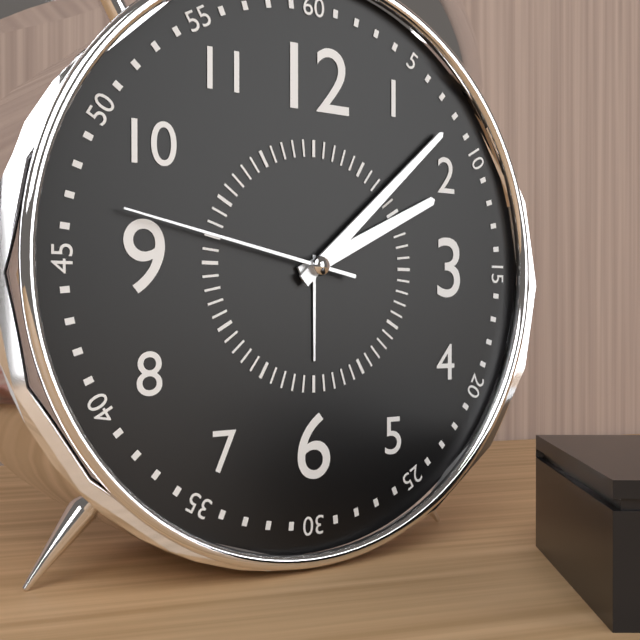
2h08m47s
